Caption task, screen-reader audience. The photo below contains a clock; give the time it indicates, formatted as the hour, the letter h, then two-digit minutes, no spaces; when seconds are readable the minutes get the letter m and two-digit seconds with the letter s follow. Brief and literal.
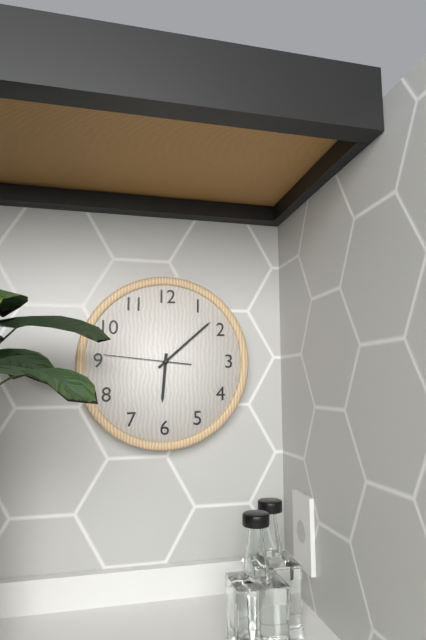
6h08m46s
